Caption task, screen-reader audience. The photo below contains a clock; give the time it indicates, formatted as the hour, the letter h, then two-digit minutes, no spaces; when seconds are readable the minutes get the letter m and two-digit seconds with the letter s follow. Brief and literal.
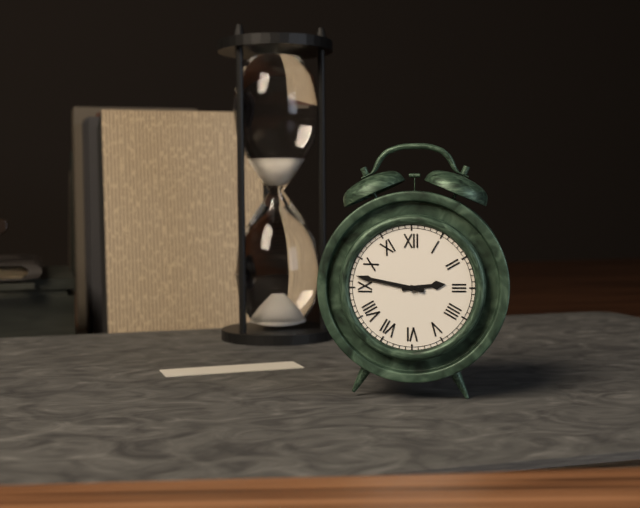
2h47
